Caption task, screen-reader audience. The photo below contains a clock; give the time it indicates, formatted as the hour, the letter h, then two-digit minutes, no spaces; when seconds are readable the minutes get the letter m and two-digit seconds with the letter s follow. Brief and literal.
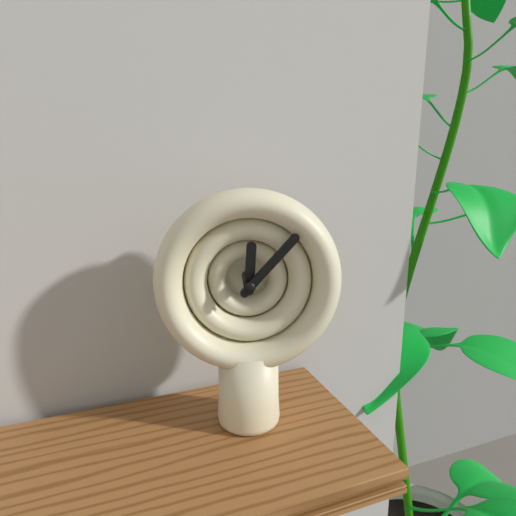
12h07
